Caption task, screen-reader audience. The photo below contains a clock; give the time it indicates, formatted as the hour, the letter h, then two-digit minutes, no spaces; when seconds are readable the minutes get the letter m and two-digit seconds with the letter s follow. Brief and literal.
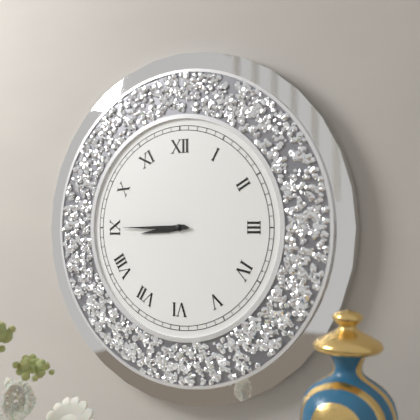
8h45
